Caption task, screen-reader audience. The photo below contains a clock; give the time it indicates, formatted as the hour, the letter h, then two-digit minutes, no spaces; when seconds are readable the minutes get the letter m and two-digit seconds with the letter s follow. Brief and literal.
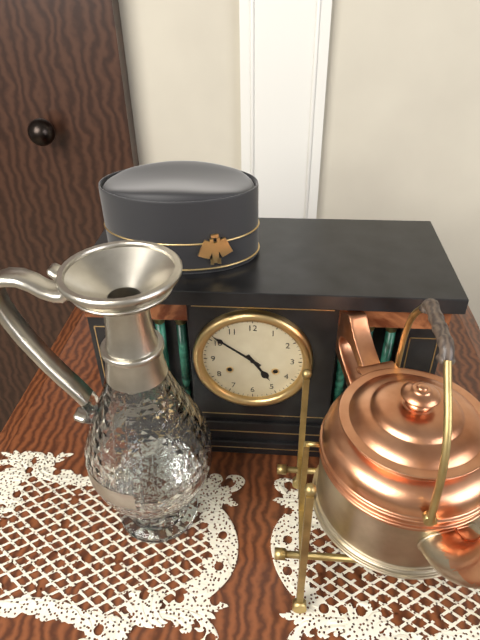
4h51
